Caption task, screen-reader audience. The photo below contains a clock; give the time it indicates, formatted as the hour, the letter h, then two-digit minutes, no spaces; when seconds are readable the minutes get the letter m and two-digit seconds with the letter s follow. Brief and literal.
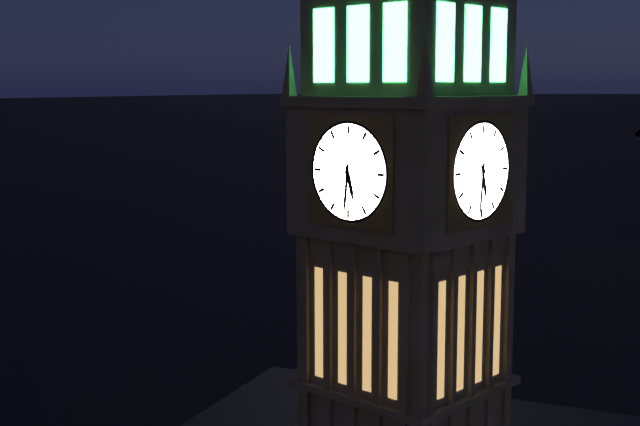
5h31
